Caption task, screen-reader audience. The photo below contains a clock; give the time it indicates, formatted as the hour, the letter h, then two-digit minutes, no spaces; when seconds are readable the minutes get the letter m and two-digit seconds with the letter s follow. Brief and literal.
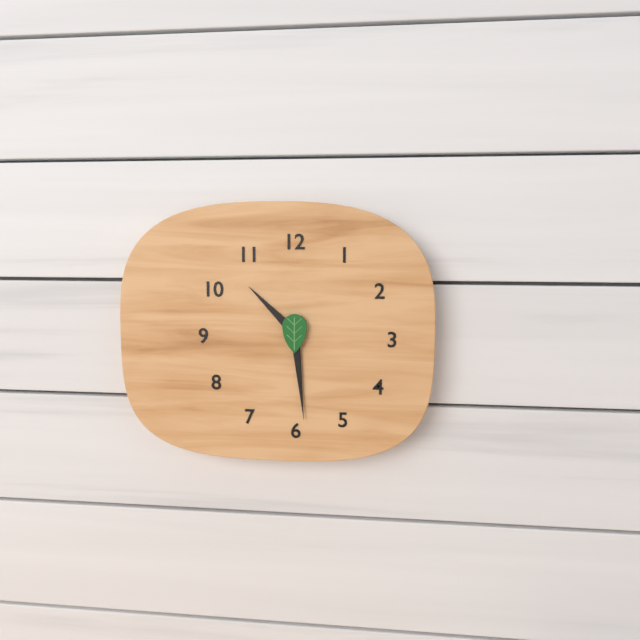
10h29
